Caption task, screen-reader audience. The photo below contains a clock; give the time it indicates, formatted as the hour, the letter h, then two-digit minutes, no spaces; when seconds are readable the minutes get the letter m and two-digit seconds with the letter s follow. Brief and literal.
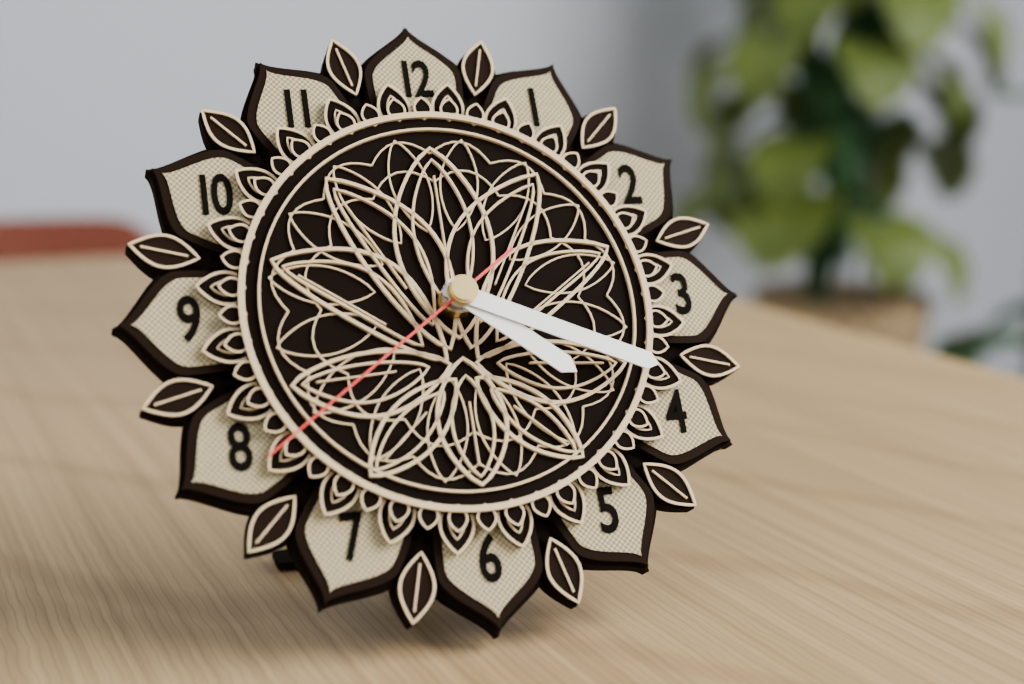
4h19m39s
